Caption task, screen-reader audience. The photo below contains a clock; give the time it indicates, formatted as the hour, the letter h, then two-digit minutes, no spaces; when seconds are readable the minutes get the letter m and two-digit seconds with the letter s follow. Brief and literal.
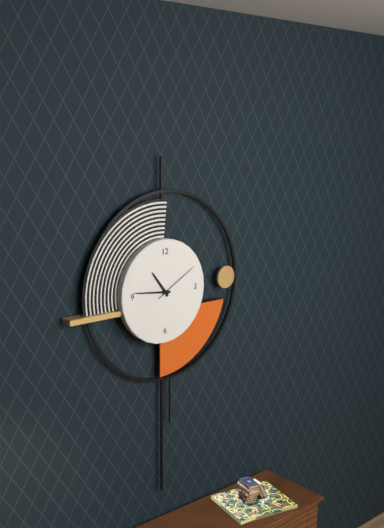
10h46
